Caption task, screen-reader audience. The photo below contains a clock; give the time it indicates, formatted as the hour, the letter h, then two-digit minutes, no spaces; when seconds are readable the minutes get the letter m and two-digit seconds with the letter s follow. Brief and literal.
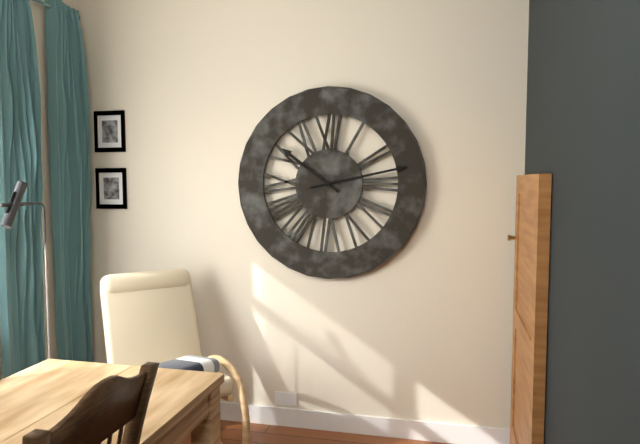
10h13
